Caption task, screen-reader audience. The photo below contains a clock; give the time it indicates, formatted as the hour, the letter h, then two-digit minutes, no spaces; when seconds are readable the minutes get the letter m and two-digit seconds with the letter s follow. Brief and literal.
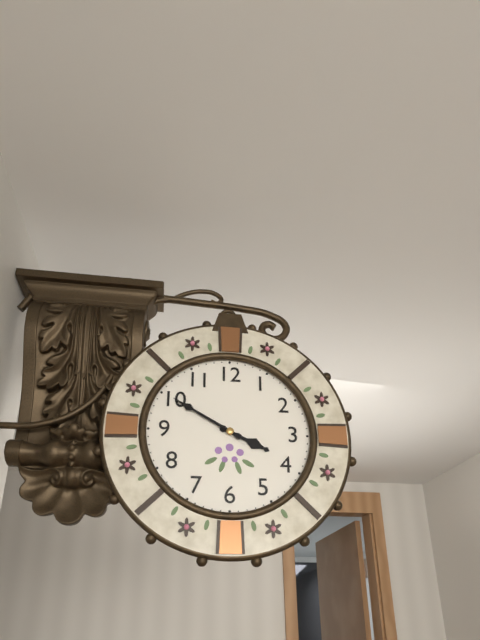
3h50
